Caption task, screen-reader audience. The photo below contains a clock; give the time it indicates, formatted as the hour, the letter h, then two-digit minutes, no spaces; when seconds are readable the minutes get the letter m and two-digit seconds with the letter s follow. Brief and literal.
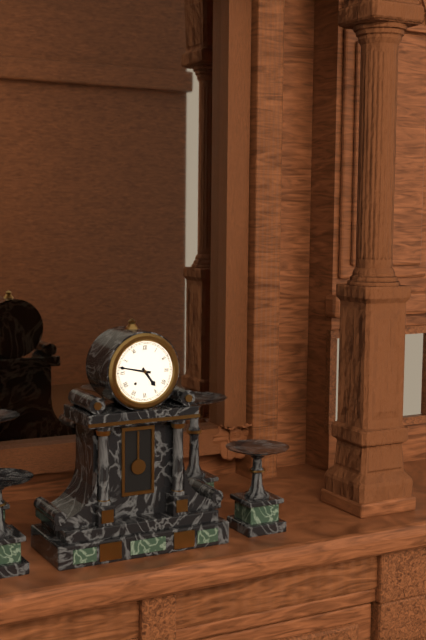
4h47
